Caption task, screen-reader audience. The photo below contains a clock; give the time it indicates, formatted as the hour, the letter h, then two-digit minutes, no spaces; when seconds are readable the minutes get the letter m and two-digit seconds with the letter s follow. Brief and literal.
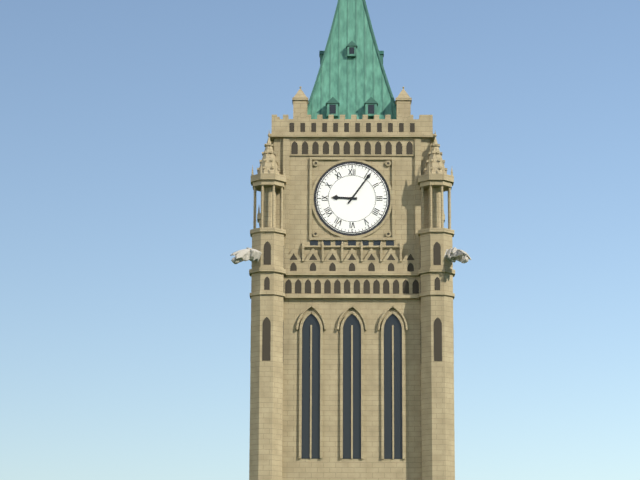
9h06
